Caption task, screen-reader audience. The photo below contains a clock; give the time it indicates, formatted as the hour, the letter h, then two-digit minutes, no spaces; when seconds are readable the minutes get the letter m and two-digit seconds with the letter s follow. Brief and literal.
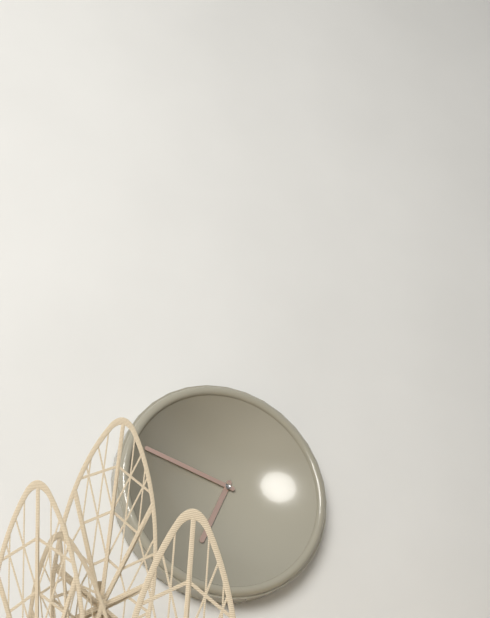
6h48
